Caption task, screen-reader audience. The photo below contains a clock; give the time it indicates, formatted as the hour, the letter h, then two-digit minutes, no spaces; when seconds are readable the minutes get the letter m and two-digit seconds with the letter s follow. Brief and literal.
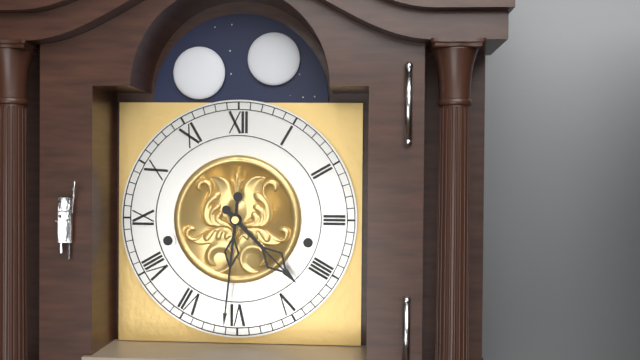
4h31
